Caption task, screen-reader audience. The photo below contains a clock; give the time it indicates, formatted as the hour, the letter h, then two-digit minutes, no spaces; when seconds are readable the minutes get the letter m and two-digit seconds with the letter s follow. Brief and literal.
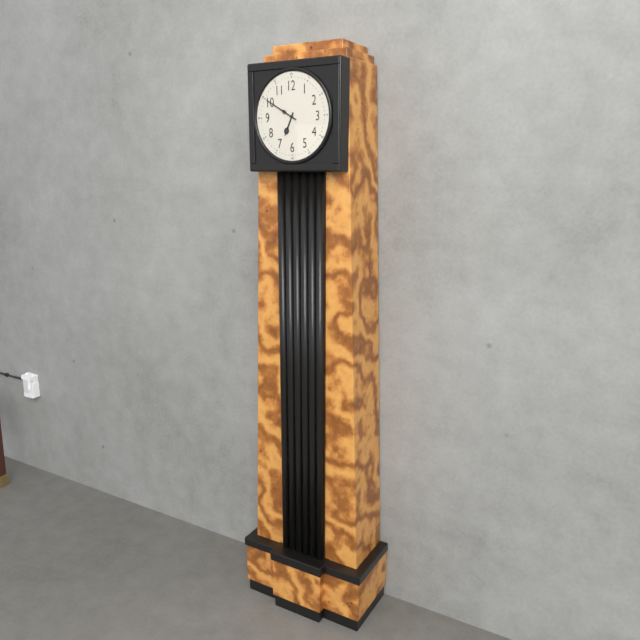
6h50
